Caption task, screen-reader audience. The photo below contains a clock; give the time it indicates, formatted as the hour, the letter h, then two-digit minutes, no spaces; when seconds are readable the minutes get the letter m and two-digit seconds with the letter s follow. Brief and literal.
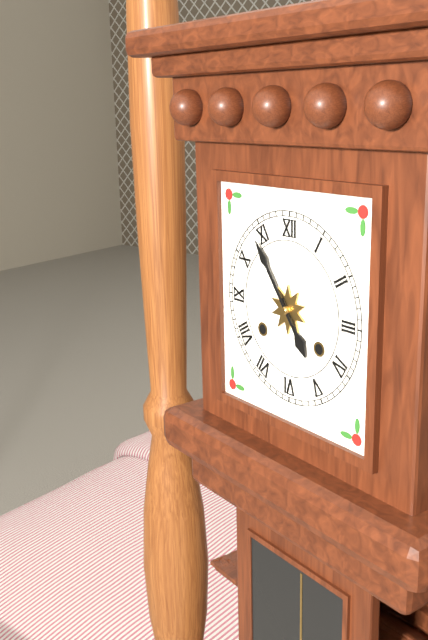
4h54
